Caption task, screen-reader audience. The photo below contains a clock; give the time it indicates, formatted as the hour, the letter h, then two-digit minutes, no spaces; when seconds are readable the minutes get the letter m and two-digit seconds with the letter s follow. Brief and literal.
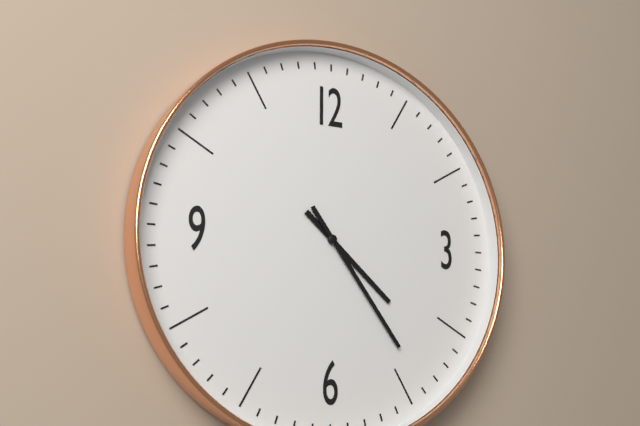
4h24
